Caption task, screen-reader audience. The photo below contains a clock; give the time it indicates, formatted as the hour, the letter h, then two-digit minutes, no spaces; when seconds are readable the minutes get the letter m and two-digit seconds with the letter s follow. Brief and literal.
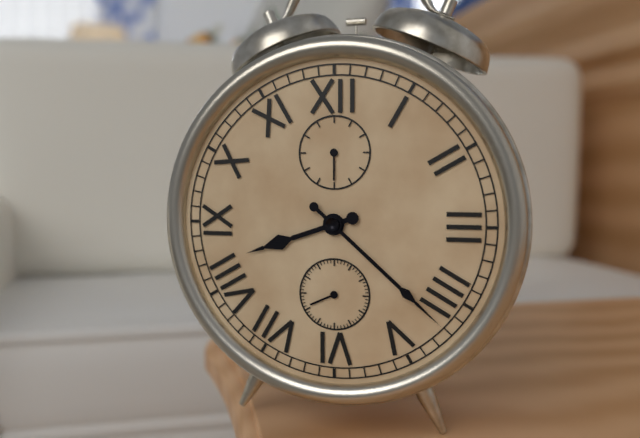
8h22
